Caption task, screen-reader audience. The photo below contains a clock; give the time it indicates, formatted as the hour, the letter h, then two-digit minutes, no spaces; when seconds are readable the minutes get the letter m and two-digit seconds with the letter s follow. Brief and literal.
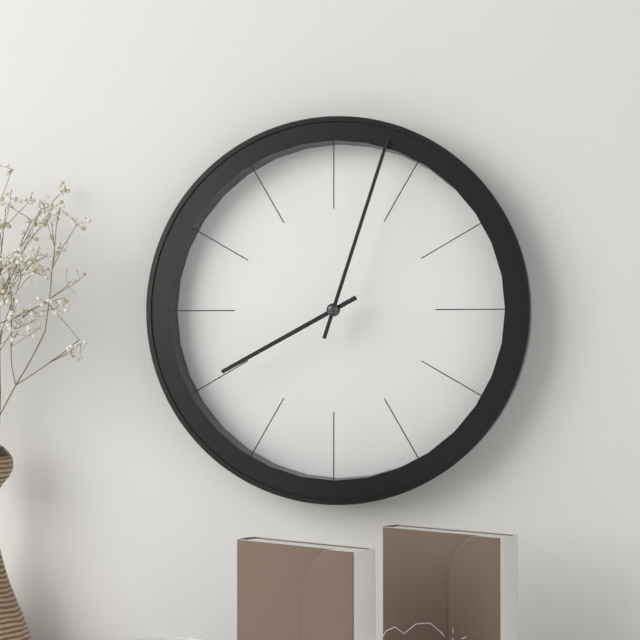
8h03
